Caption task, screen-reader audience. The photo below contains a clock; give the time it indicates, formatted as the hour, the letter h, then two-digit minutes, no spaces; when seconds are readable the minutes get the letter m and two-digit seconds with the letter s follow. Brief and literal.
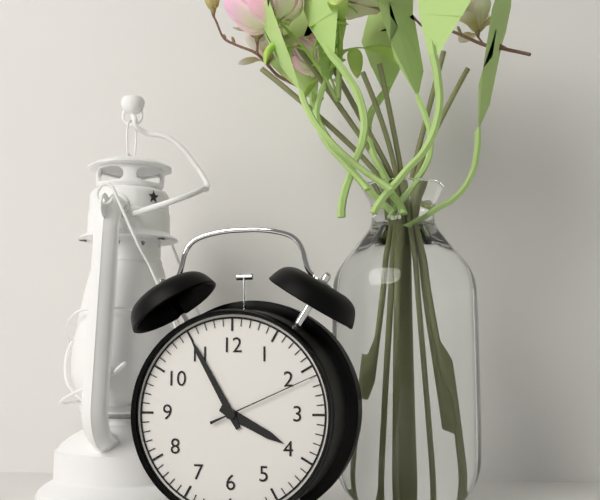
3h55m11s
